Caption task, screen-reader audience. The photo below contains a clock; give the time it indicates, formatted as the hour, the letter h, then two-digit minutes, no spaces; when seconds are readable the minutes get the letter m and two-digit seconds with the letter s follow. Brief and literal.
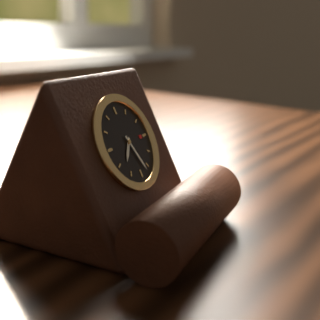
7h27
